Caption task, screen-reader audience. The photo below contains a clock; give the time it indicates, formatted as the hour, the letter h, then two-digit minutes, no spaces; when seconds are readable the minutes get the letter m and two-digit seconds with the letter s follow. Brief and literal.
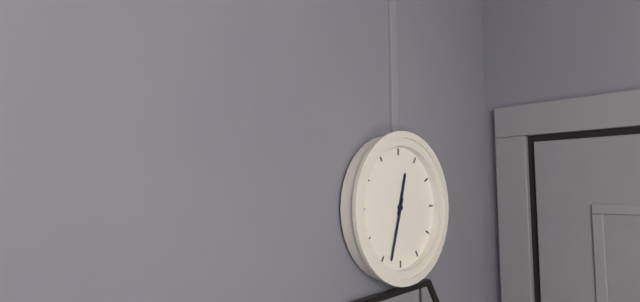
12h33
